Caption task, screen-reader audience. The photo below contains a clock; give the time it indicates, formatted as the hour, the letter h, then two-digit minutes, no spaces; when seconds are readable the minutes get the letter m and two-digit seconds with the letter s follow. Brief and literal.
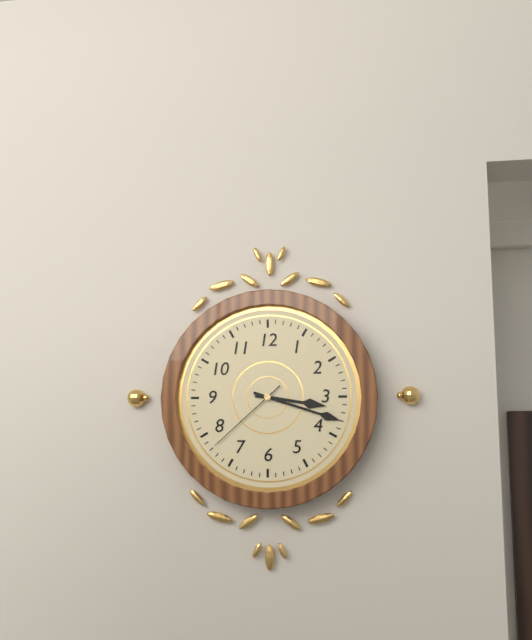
3h18m38s
